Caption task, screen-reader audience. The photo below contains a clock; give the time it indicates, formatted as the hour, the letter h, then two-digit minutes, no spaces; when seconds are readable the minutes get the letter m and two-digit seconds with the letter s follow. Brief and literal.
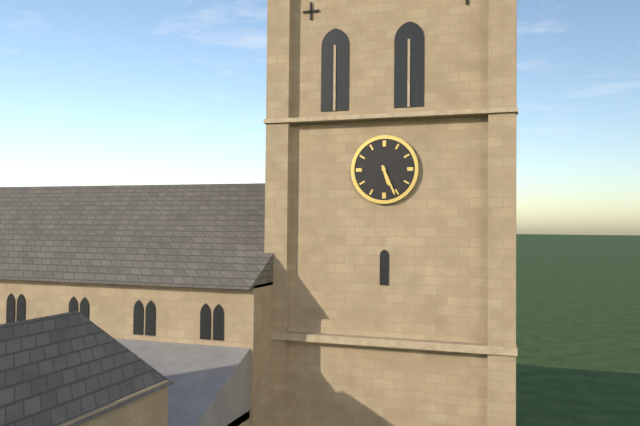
5h26
